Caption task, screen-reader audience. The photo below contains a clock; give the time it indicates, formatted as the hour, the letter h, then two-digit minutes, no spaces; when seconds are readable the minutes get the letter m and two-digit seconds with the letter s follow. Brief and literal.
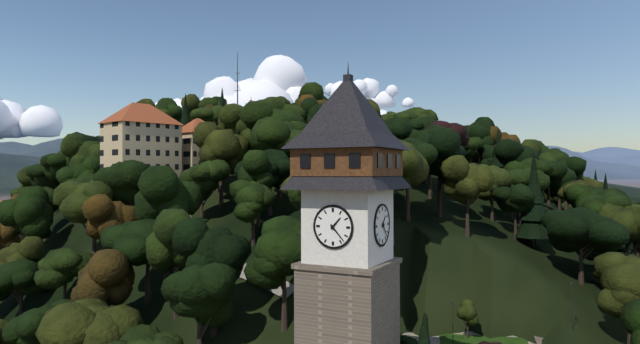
1h23
